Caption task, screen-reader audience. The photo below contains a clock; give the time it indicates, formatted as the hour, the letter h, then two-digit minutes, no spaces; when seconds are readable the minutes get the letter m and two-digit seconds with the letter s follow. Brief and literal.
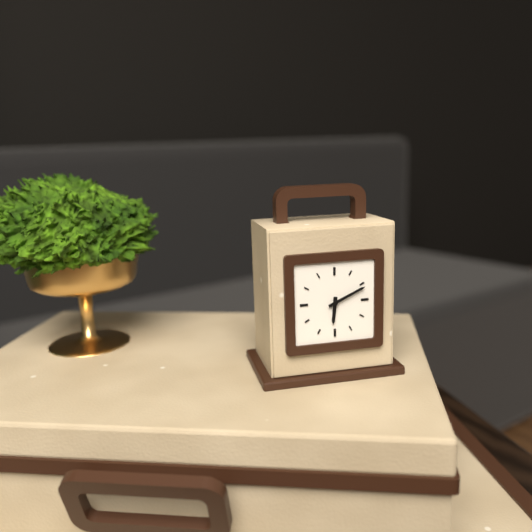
6h11
